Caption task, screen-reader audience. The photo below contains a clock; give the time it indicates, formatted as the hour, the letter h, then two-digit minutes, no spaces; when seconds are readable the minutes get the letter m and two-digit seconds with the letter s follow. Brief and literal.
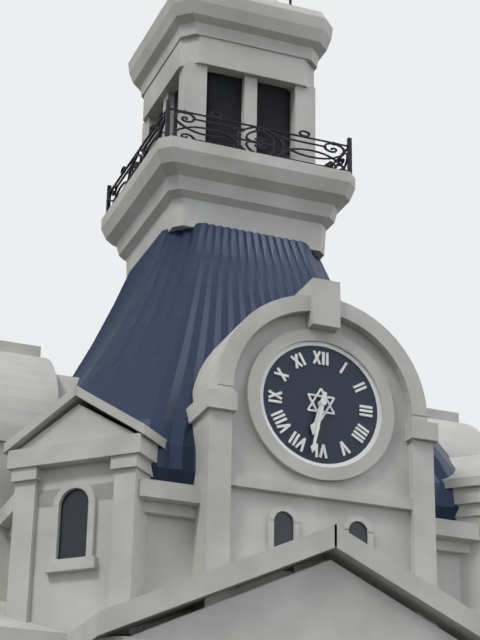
6h32
